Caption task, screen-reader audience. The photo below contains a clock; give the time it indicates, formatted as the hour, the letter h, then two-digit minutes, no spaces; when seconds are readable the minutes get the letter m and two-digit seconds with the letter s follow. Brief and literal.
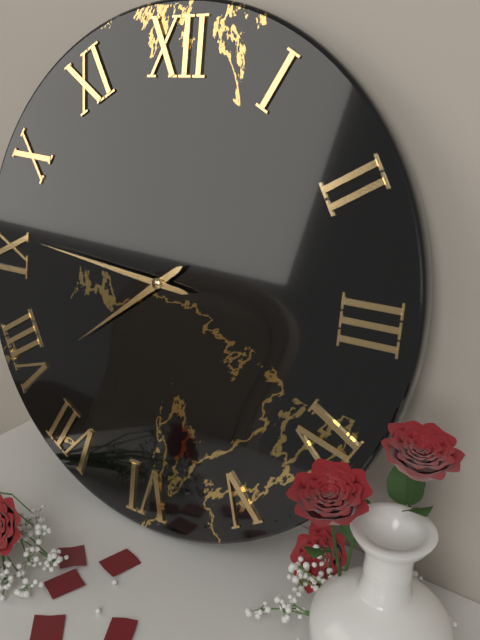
7h46
